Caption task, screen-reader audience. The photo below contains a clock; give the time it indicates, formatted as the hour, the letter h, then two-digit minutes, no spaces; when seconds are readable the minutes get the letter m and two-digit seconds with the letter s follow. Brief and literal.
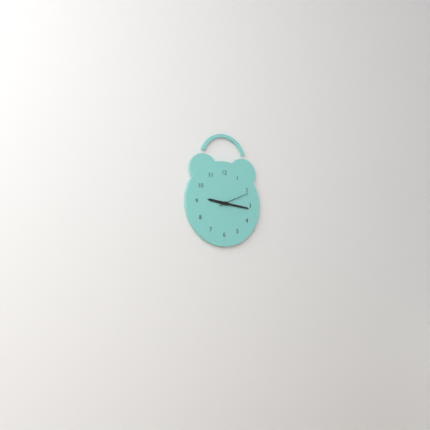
9h16
